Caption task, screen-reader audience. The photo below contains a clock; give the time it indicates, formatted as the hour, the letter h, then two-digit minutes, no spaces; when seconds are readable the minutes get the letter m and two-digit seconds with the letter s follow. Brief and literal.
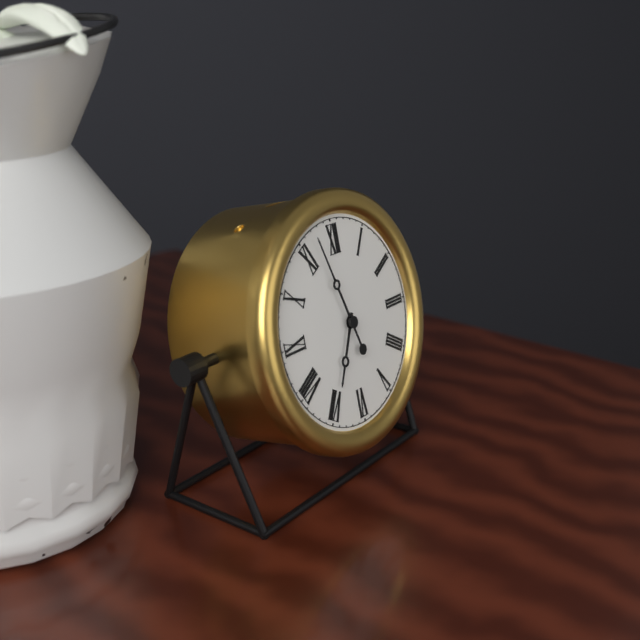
6h57
